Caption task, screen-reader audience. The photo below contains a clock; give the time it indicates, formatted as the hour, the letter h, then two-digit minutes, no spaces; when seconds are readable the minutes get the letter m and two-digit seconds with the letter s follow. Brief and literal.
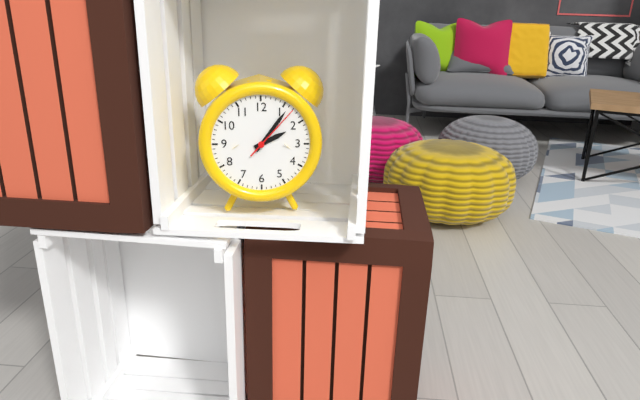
2h06m07s
